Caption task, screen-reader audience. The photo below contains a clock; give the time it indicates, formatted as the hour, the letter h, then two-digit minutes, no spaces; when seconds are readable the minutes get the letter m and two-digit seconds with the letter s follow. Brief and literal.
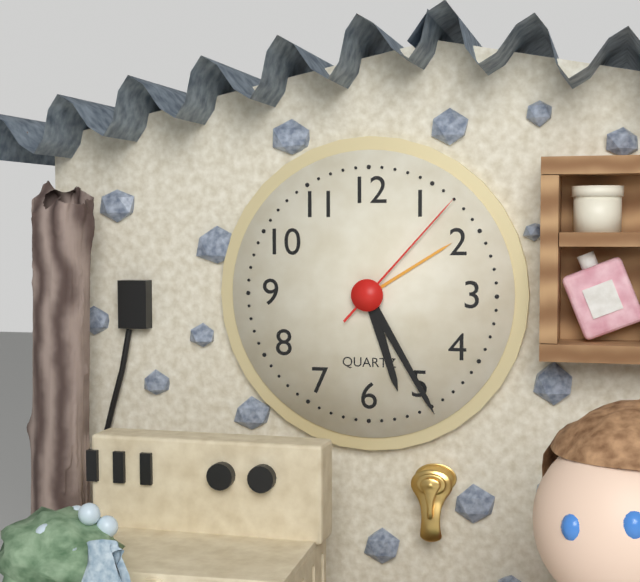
5h25m07s
